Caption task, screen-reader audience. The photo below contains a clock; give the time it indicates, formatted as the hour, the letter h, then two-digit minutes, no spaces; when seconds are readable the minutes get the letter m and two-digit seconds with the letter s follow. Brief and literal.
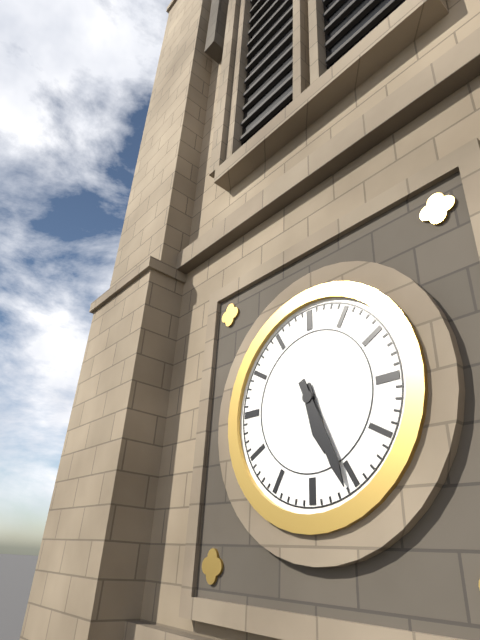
5h26
